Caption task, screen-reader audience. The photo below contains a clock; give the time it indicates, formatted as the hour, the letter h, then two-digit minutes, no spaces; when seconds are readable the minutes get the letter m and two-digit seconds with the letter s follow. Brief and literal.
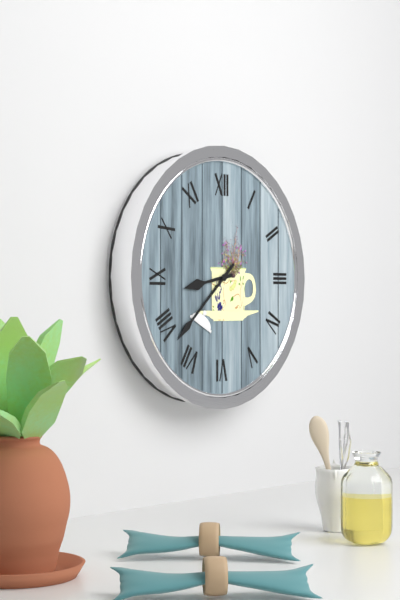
8h38
